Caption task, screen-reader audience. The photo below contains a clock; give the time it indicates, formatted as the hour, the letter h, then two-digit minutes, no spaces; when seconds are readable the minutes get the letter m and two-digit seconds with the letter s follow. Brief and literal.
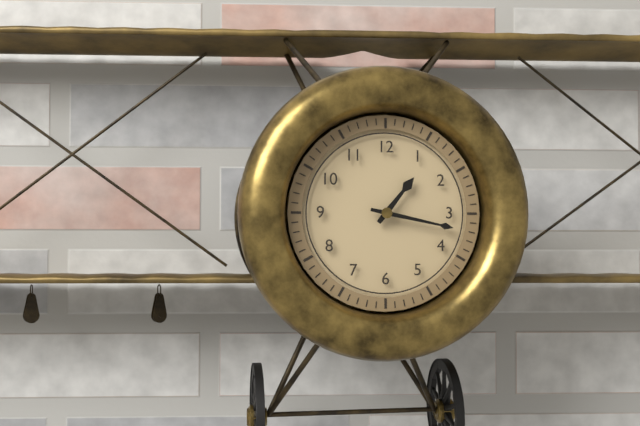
1h17
